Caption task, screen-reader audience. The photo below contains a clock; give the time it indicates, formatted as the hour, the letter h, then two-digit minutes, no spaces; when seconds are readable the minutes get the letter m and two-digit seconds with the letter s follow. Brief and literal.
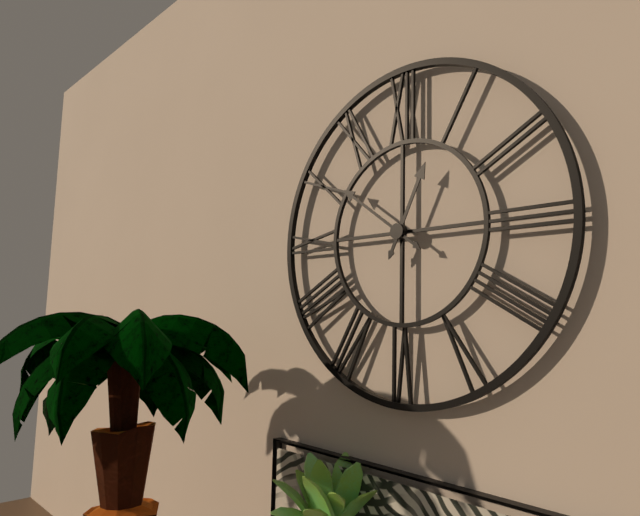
12h51
